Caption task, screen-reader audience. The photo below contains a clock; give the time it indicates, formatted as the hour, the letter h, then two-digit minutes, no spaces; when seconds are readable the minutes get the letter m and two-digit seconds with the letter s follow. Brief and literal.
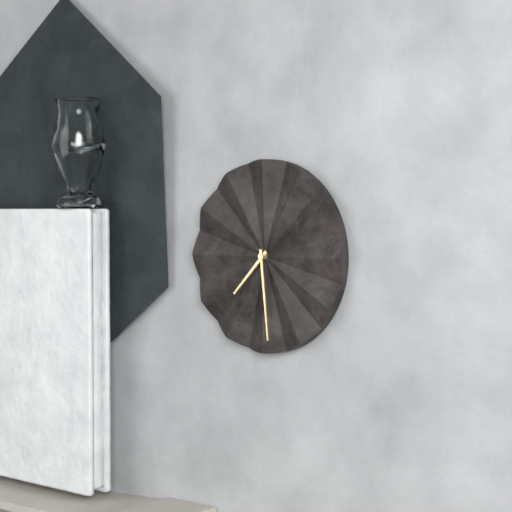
7h29
